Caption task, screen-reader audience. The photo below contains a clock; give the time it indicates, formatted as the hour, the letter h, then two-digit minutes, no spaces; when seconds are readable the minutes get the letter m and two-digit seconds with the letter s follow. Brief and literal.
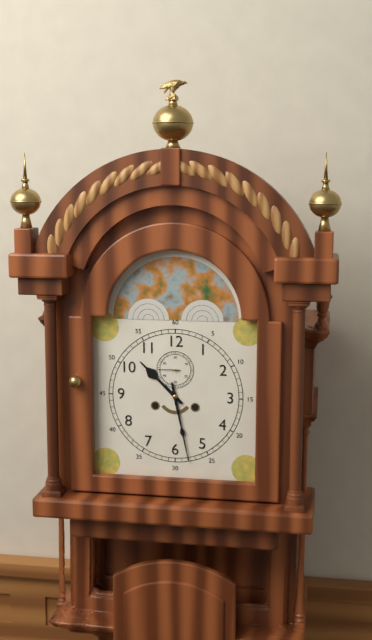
10h28
